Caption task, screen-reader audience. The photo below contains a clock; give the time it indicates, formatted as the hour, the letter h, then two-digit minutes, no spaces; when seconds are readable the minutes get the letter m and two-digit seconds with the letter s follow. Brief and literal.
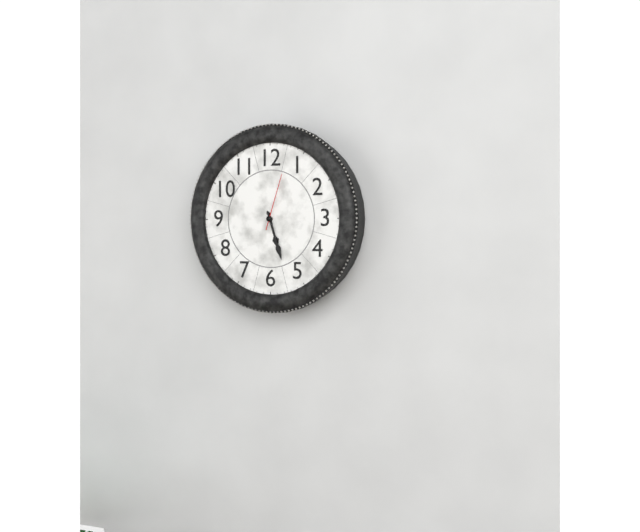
5h27m03s
